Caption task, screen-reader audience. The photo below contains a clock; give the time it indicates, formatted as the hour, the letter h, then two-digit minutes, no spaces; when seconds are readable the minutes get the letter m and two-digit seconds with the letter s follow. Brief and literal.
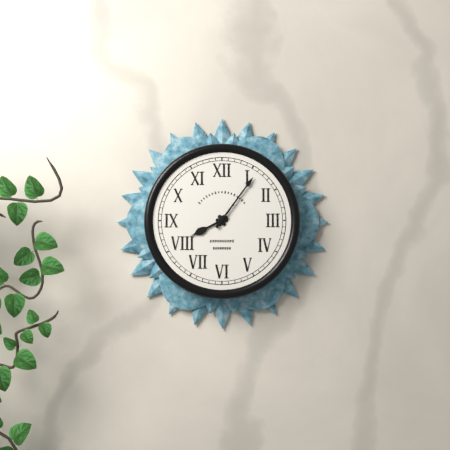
8h06
